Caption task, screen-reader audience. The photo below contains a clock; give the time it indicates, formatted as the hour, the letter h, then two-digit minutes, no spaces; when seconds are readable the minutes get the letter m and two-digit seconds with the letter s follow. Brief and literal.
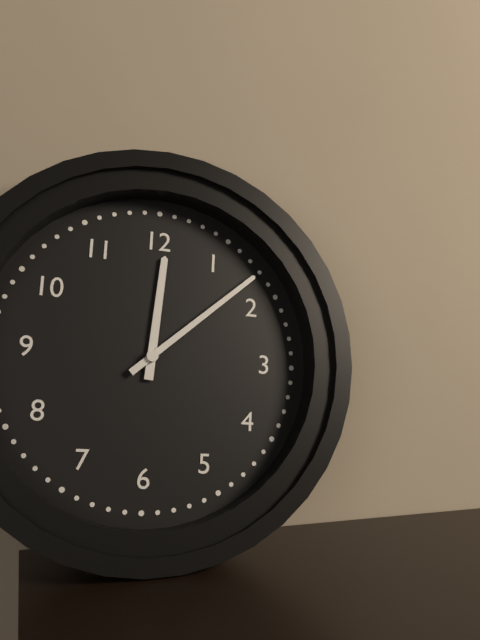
12h08
